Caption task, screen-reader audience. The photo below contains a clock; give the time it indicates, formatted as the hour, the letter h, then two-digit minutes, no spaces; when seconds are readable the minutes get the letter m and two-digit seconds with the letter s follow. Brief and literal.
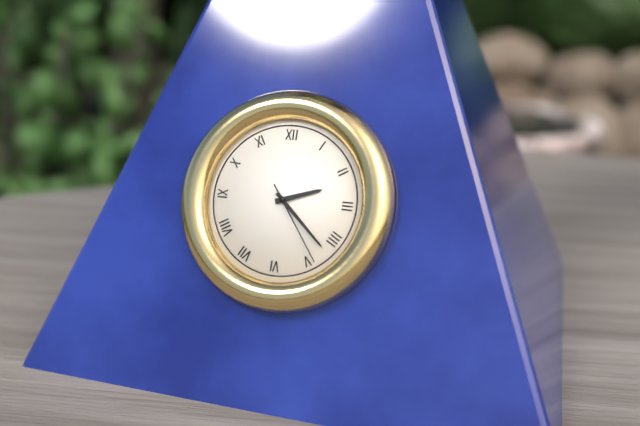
2h22m24s
